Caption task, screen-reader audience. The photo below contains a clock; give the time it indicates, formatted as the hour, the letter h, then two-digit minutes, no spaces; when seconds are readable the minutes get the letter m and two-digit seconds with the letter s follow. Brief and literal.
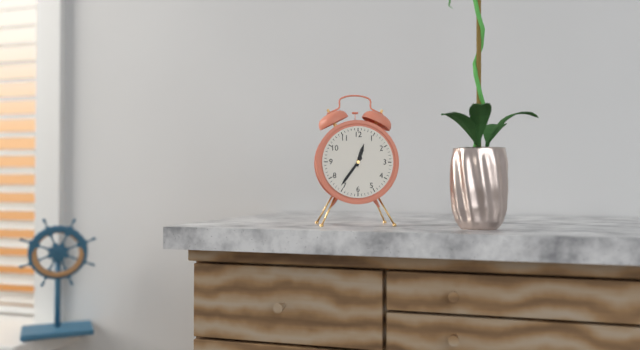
12h36
